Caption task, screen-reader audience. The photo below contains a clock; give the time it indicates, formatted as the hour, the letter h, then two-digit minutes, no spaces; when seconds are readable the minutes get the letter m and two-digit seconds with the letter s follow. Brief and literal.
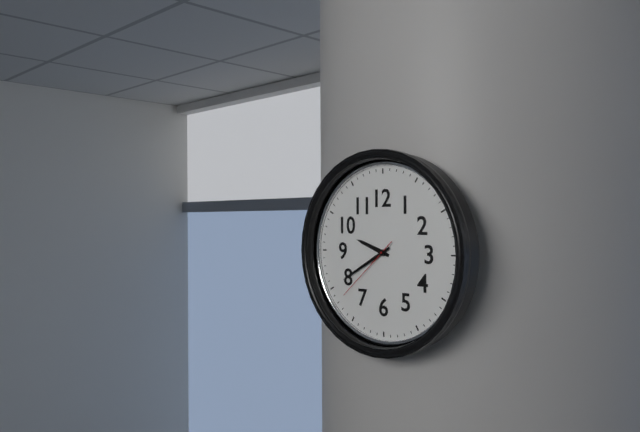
9h40m38s
